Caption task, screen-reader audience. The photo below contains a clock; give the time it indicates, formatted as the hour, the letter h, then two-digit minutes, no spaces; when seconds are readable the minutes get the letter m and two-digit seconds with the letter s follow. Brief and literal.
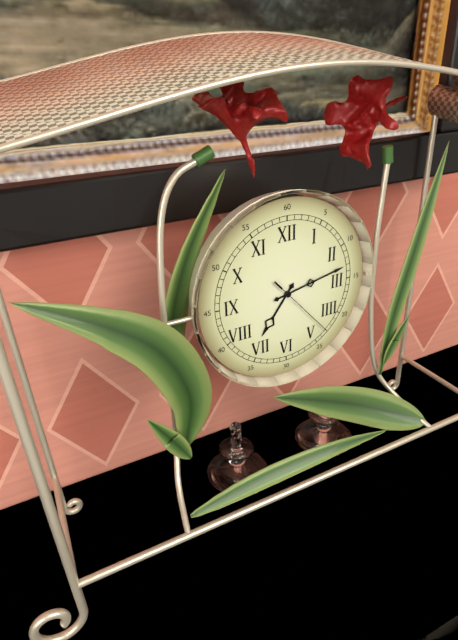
7h13m23s
